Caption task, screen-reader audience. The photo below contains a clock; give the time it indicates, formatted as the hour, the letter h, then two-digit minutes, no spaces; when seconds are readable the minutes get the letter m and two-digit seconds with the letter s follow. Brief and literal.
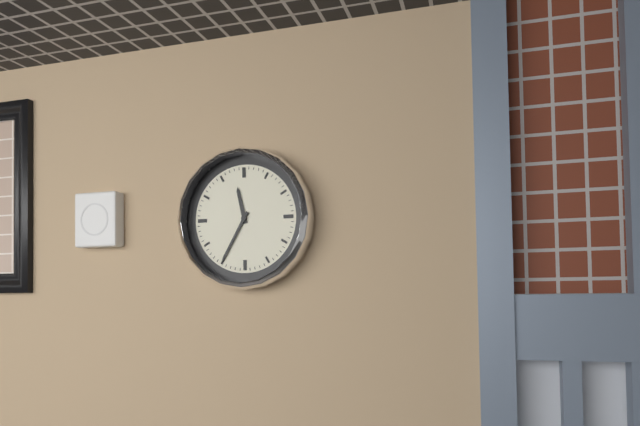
11h35
